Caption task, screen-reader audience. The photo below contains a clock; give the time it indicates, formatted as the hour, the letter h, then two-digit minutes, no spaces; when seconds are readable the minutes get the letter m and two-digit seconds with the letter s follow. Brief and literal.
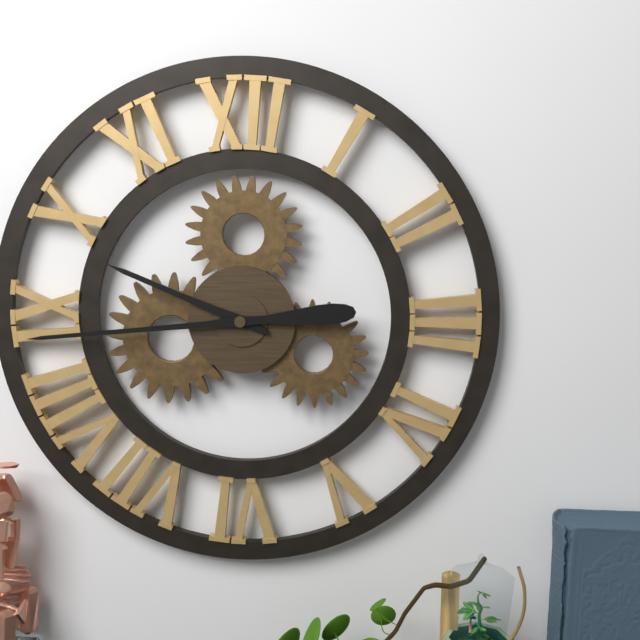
9h44
